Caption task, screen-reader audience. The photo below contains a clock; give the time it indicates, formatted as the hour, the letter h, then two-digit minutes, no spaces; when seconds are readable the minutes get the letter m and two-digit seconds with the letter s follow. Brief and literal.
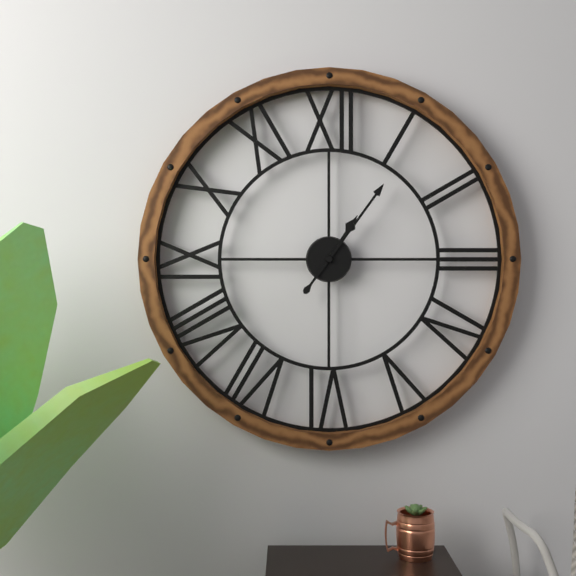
1h06
